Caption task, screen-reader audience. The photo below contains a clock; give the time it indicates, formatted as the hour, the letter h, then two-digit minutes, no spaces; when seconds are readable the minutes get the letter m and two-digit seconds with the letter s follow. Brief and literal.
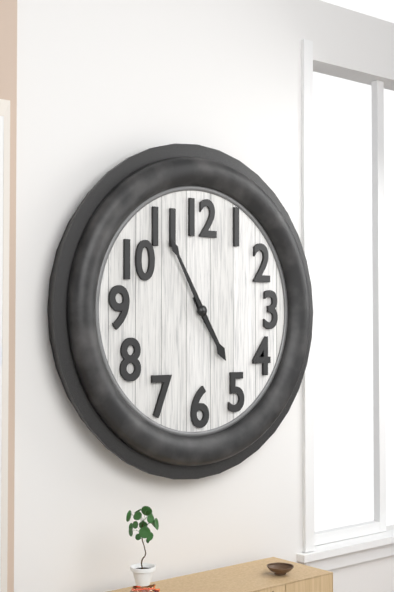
4h55
